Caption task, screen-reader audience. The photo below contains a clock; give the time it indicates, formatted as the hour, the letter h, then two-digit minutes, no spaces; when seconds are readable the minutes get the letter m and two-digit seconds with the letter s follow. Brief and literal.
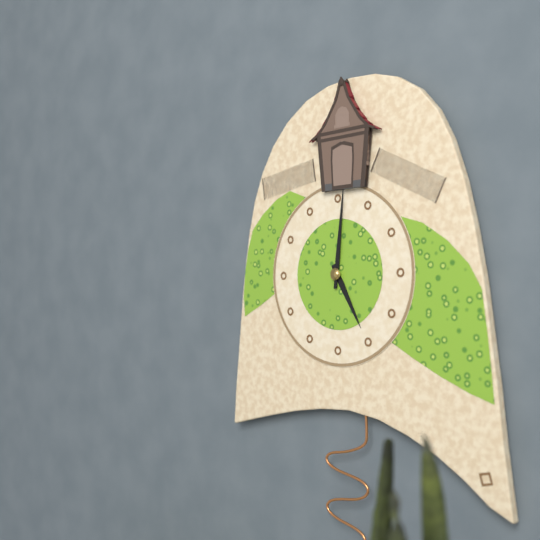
5h01
